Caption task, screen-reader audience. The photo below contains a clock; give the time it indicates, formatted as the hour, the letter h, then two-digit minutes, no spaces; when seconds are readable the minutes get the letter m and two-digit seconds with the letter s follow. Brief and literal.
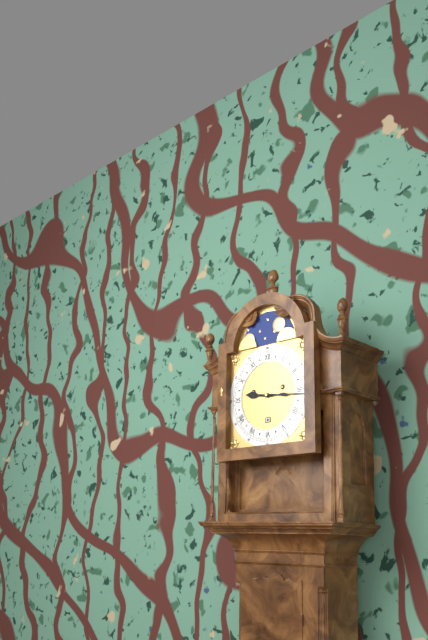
9h16
